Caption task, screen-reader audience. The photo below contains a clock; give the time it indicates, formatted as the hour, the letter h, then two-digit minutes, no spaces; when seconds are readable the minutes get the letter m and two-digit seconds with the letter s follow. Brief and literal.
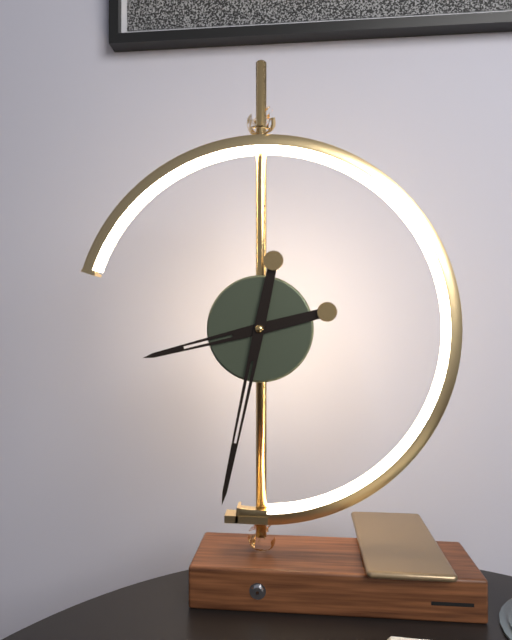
8h32
